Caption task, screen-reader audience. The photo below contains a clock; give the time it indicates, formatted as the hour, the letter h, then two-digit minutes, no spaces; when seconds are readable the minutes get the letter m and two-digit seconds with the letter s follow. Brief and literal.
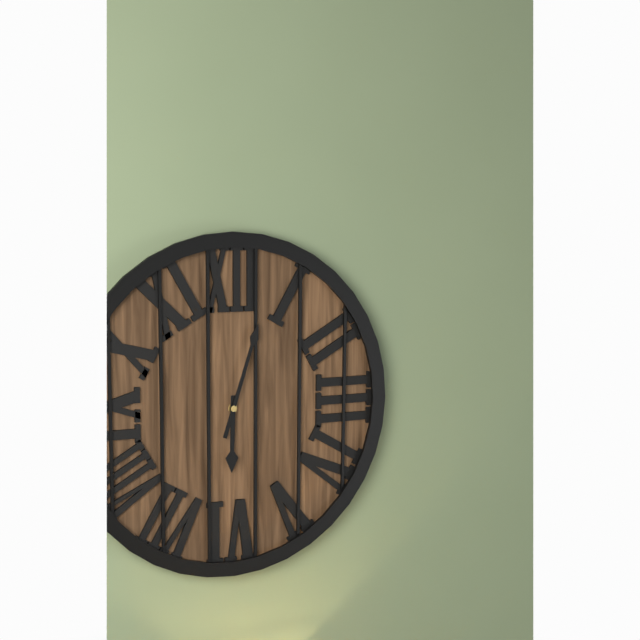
6h03
